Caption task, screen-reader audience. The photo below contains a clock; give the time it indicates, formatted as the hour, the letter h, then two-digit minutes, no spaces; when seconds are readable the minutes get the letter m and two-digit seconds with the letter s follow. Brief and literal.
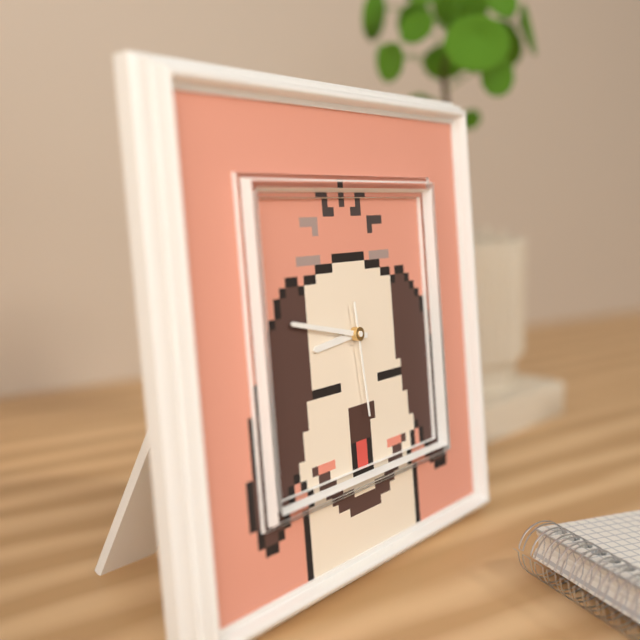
8h47m29s
